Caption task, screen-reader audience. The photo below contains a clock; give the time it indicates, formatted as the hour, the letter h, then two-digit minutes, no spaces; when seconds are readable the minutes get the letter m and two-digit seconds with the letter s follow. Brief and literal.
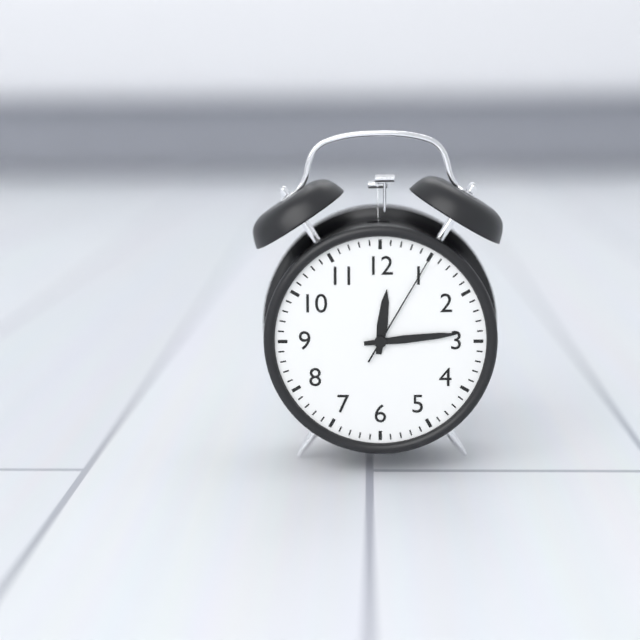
12h14m05s
